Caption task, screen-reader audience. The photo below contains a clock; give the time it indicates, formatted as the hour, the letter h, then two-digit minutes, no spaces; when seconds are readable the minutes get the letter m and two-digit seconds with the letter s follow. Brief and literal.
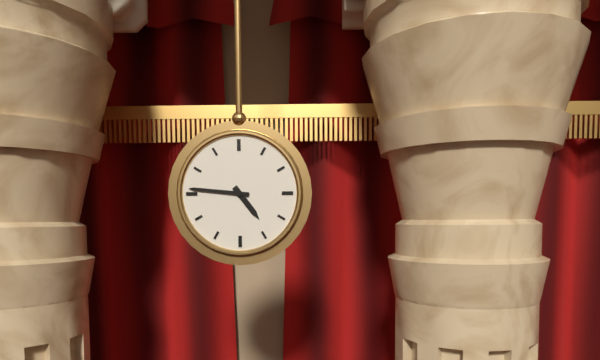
4h46
